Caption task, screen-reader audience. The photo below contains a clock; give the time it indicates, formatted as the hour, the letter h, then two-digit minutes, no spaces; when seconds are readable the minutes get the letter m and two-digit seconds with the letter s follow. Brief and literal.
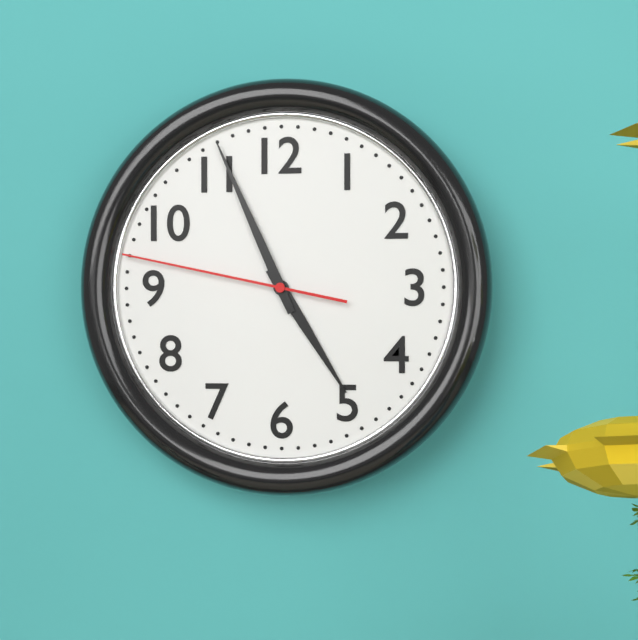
4h56m47s
